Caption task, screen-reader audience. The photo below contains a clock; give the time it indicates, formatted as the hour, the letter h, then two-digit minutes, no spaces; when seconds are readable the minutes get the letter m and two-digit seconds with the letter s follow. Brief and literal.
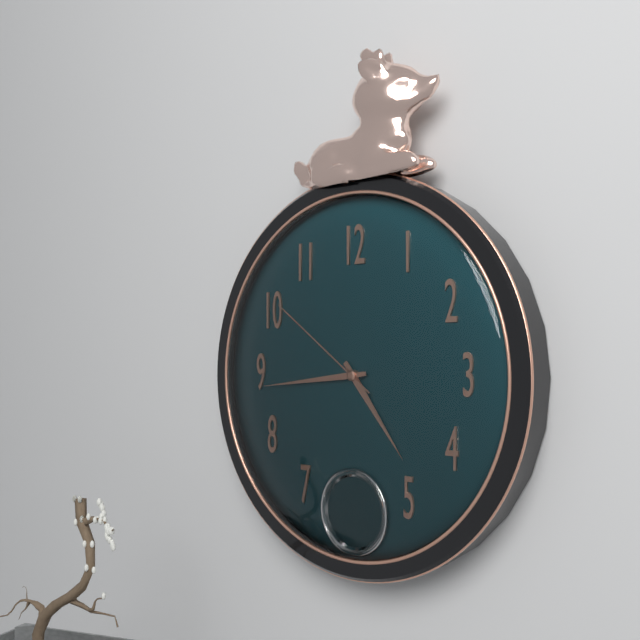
4h44m51s
